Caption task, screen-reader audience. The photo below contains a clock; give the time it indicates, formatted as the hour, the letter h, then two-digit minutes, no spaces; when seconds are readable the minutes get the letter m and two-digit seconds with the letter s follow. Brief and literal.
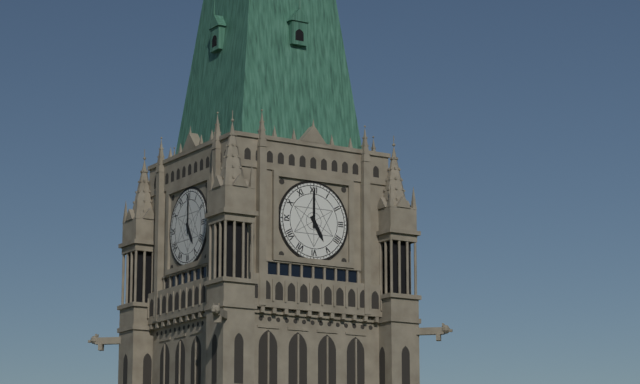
5h00
